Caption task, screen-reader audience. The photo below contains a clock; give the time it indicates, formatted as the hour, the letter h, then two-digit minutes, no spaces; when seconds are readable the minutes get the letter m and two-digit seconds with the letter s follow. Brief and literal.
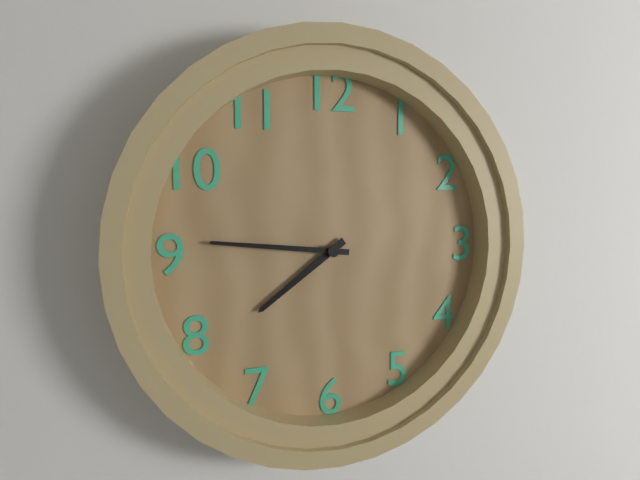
7h46
